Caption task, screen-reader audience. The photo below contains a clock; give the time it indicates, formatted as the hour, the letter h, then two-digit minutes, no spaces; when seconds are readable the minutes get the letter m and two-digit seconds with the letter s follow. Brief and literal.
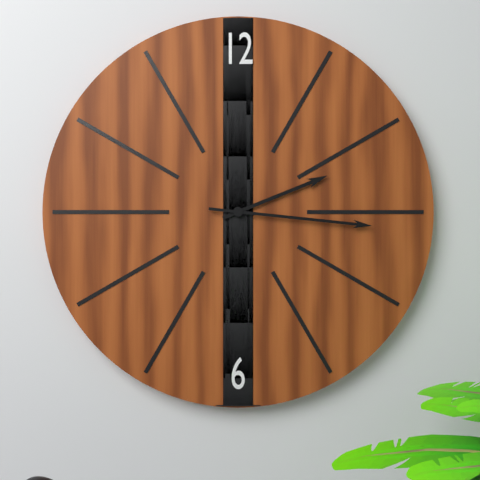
2h16
